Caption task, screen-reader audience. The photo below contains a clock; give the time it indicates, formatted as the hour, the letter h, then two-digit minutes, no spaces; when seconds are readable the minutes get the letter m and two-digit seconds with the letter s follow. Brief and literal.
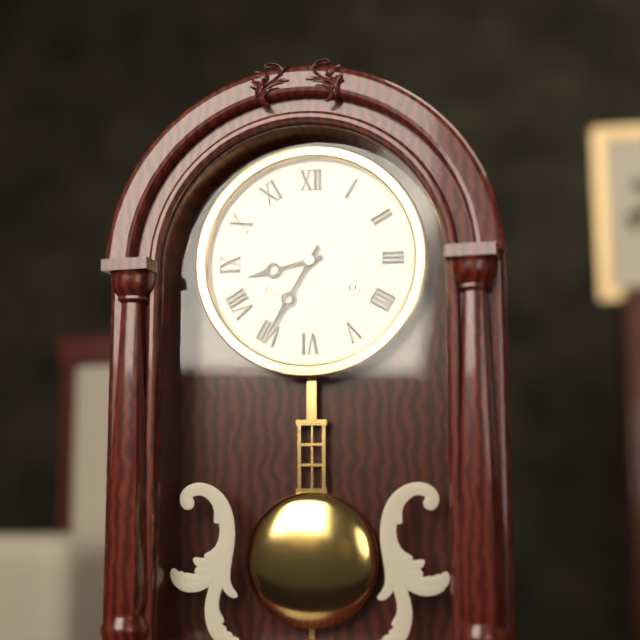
8h35
